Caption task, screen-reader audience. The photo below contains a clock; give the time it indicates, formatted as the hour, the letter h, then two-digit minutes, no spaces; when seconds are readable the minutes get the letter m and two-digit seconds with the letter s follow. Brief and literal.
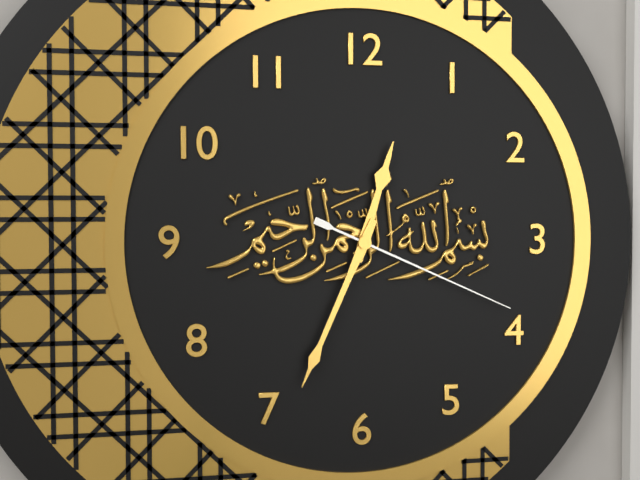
12h34m19s
